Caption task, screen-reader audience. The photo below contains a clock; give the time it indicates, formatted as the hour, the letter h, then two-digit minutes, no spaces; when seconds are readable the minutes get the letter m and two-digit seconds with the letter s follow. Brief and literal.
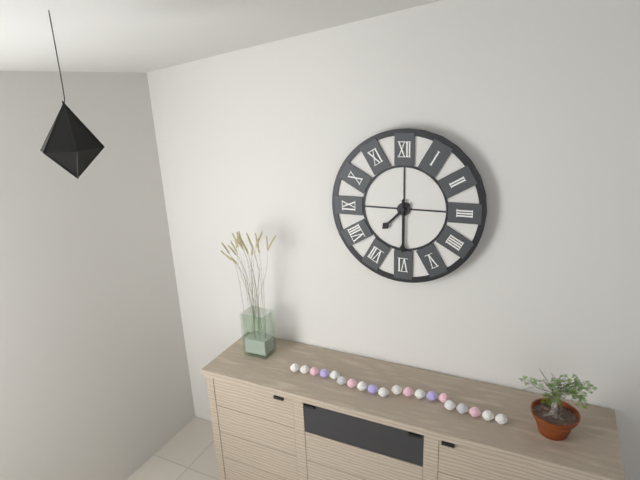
7h30
